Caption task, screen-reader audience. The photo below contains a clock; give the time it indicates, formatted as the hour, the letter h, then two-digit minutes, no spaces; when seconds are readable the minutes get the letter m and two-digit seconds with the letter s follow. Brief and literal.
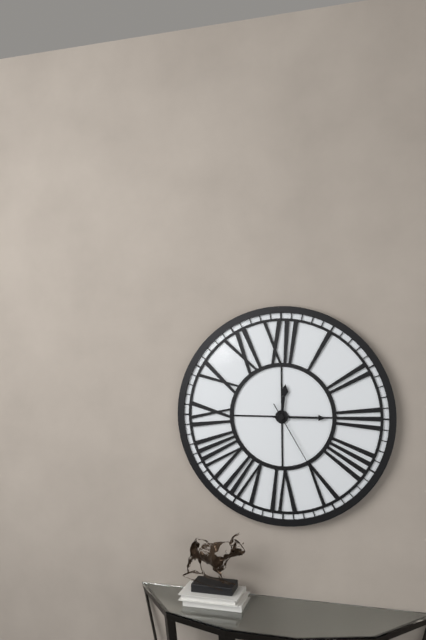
12h15m25s
